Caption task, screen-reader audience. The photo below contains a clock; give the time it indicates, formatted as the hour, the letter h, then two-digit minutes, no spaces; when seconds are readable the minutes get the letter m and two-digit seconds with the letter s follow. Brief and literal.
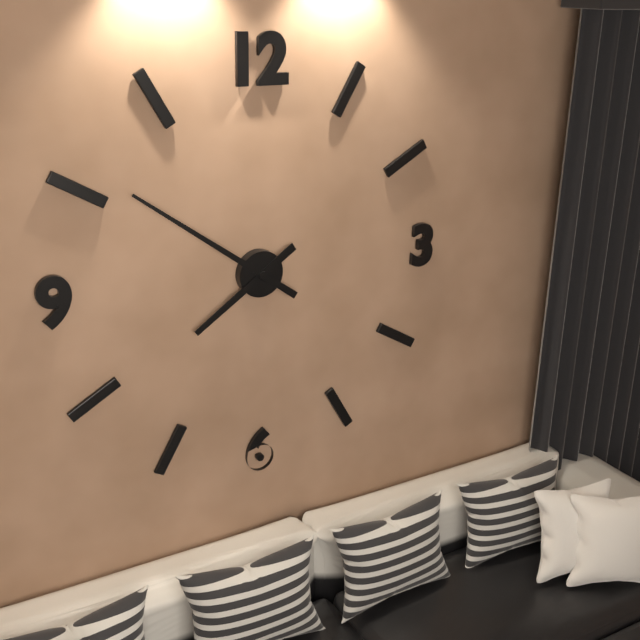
7h51
